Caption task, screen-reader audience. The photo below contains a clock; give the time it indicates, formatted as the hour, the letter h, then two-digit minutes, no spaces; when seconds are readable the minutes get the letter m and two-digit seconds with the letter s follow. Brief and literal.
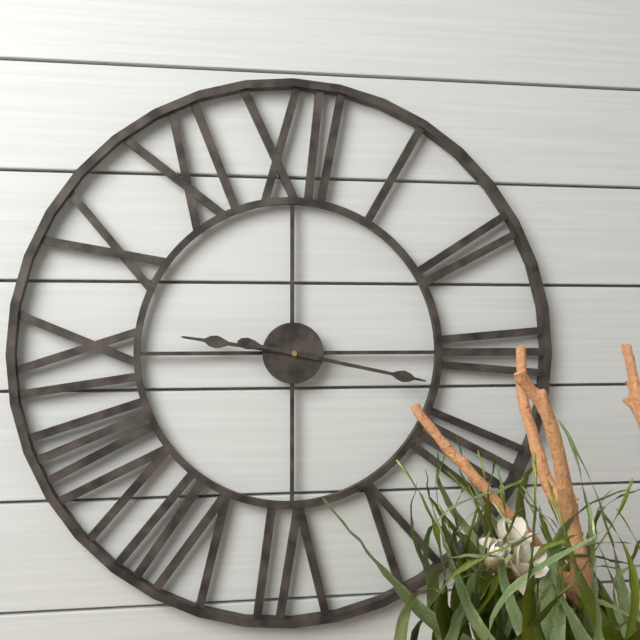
9h17
